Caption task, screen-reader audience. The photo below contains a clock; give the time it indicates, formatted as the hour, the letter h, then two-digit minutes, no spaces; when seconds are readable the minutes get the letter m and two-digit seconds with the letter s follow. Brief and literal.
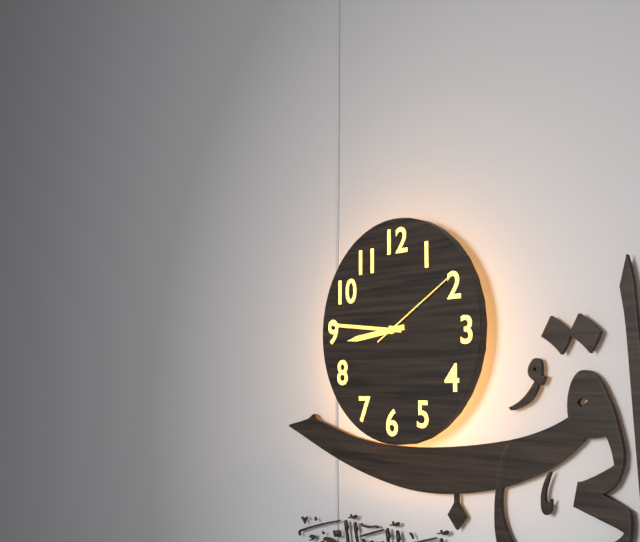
8h46m10s
